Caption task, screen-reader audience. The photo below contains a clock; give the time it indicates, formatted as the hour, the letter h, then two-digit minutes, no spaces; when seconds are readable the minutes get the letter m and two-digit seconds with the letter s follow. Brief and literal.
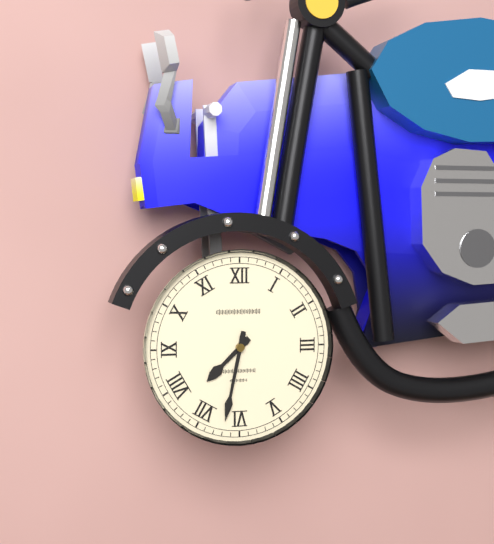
7h32
